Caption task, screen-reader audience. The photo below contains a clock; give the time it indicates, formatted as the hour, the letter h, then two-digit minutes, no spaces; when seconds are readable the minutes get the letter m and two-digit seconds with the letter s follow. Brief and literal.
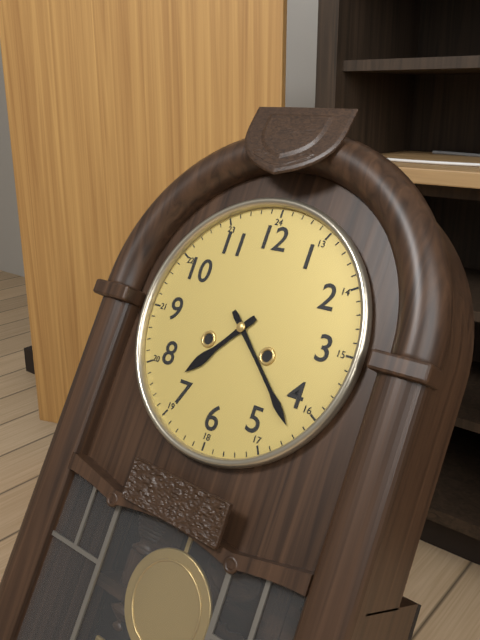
7h22
